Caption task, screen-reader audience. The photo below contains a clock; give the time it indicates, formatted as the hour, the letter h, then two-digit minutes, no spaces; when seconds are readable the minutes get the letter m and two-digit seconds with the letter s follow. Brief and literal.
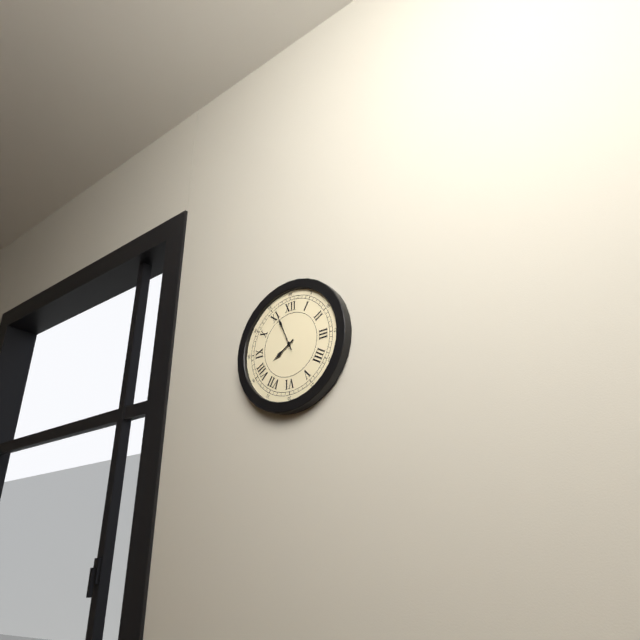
7h56
